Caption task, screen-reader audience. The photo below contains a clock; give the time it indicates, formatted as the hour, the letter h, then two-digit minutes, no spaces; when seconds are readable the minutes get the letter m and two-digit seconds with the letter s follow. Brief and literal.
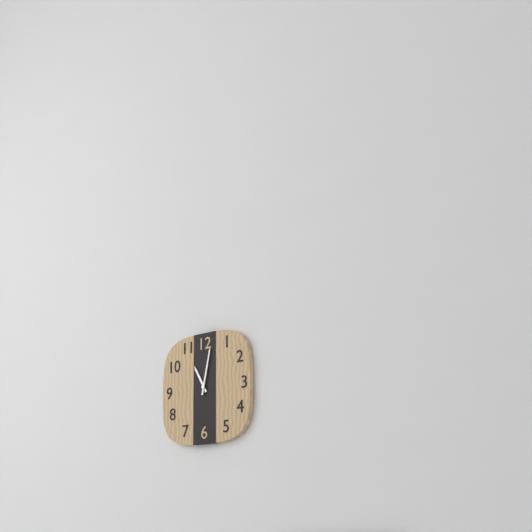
11h02
